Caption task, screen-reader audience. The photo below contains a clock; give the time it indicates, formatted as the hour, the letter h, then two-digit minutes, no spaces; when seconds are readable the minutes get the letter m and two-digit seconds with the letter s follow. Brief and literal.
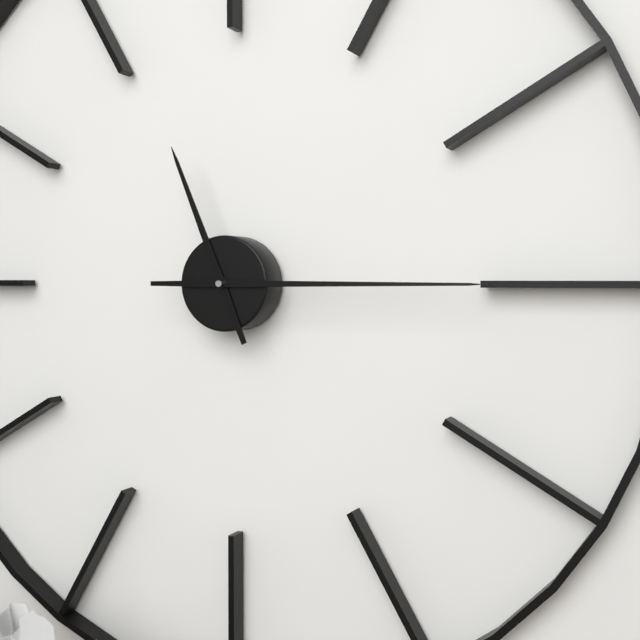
11h15
